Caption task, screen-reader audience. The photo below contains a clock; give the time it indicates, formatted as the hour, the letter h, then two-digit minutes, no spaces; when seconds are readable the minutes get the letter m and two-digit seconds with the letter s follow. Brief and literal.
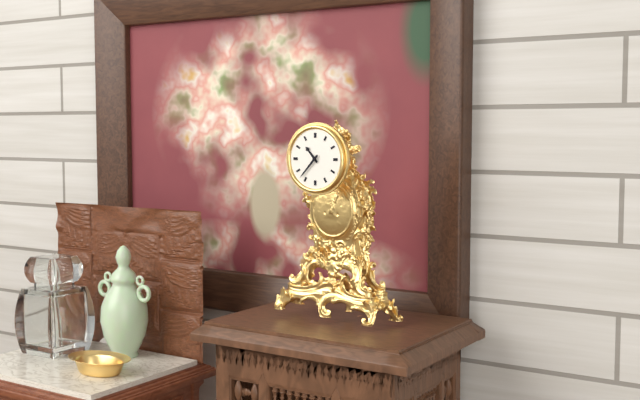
10h37
